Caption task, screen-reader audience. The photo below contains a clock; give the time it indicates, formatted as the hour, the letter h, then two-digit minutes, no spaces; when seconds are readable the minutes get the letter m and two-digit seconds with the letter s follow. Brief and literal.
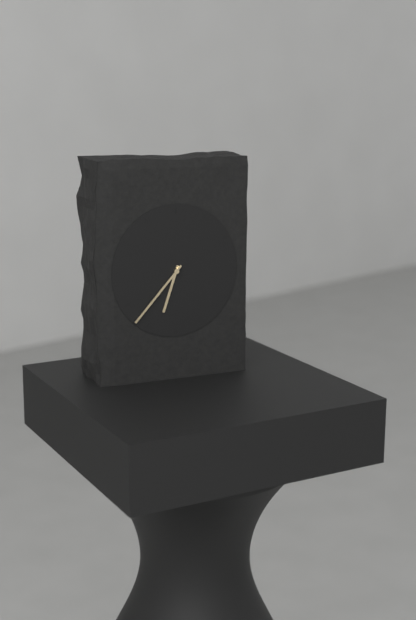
6h37
